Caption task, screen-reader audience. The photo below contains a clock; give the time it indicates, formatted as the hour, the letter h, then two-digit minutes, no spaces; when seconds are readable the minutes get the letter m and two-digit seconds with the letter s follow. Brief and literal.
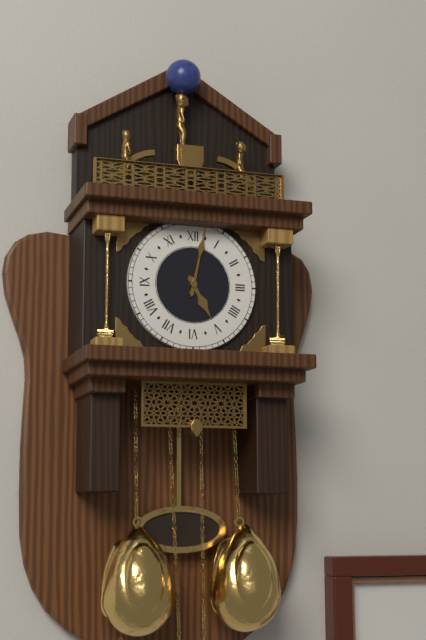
5h02
